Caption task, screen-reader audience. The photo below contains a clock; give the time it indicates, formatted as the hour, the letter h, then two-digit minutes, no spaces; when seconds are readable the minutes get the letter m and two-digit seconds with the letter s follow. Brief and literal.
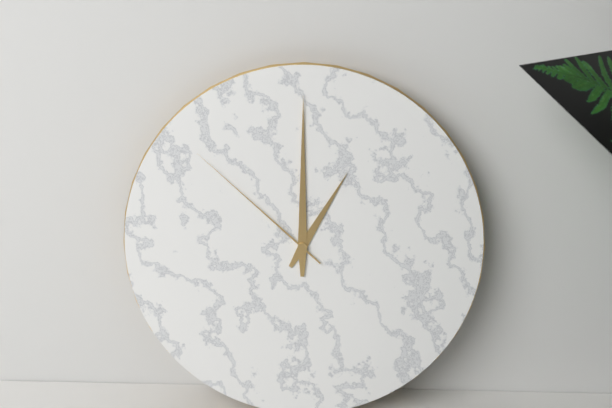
1h00m52s
